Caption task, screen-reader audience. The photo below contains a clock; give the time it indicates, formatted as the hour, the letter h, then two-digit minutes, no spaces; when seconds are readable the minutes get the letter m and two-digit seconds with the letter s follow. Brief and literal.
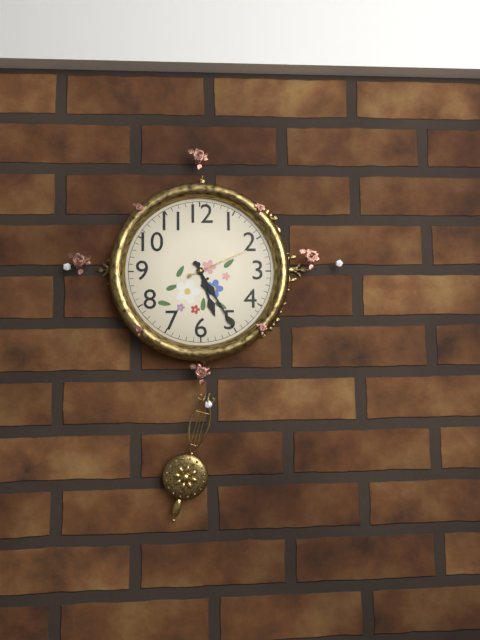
5h25m11s
